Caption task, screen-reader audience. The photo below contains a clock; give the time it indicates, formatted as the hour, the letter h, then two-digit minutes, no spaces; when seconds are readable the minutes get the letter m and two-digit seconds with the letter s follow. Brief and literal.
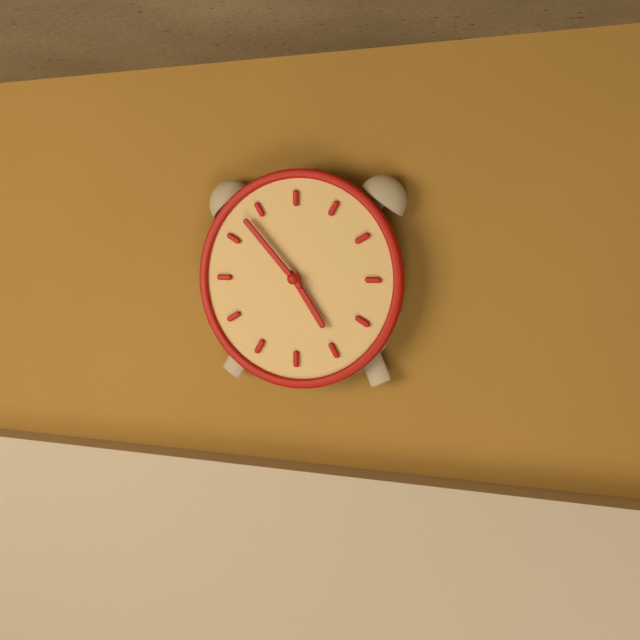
4h53
